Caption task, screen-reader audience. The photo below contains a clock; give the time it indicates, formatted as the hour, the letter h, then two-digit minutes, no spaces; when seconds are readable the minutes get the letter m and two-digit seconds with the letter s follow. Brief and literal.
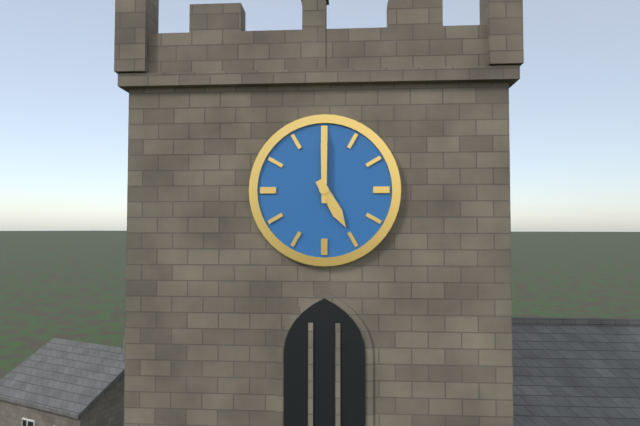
5h00
